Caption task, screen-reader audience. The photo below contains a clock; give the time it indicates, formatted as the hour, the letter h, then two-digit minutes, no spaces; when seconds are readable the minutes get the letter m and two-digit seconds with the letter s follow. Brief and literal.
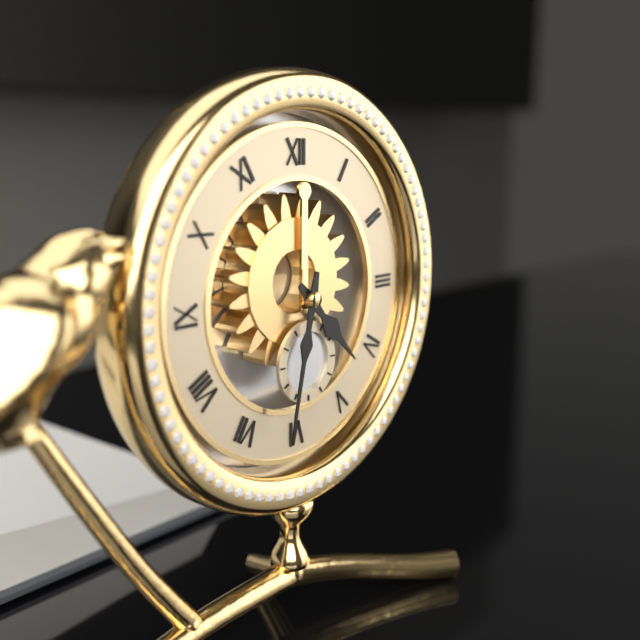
4h32
